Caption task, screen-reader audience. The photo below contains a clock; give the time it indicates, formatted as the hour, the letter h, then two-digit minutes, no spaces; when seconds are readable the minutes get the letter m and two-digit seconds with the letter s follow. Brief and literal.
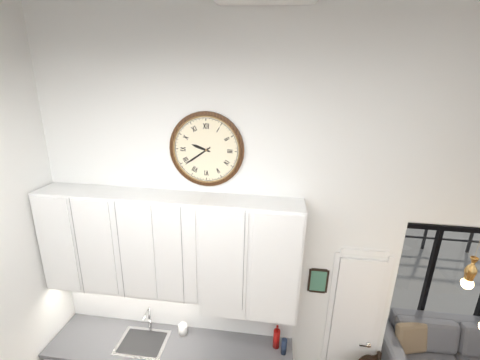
9h39
